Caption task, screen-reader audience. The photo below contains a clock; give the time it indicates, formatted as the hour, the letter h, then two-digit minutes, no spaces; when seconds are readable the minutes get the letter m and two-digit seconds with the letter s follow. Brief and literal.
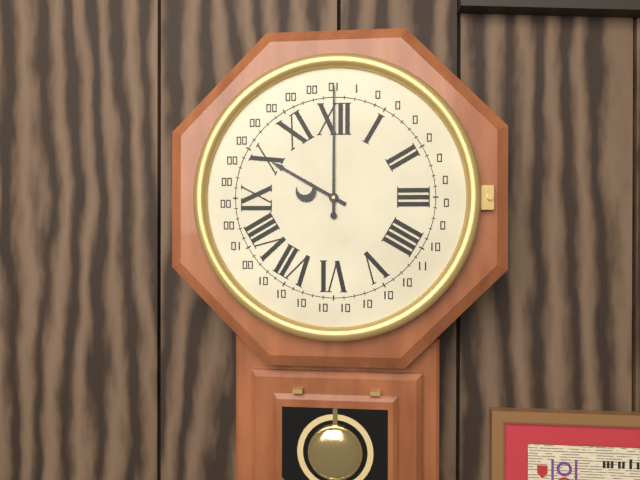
10h00
